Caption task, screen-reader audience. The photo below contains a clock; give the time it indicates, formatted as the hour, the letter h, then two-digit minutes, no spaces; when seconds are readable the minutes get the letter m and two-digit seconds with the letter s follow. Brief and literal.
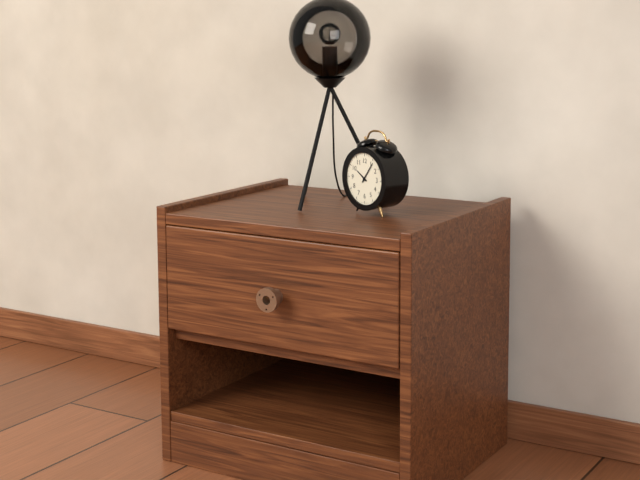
10h06
